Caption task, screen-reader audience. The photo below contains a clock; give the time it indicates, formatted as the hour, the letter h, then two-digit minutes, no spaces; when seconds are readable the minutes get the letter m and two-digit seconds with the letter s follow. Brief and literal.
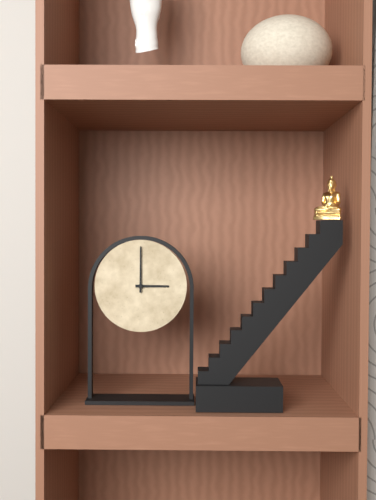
3h00
